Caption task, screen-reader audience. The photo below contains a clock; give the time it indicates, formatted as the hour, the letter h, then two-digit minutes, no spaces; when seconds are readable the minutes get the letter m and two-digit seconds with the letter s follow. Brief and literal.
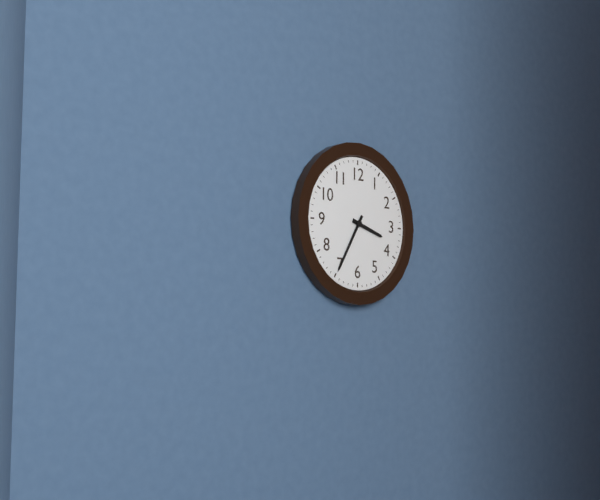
3h35
